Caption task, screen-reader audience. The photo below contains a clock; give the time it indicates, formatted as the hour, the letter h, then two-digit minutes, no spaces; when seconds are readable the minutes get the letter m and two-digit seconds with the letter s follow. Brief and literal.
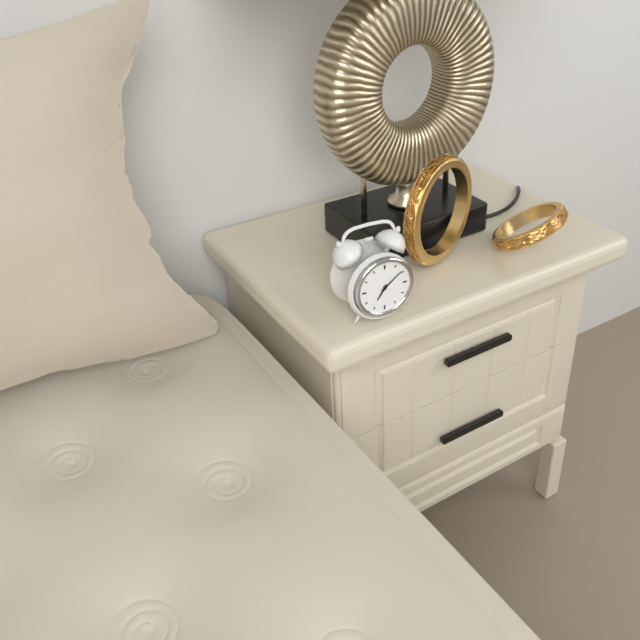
7h09
